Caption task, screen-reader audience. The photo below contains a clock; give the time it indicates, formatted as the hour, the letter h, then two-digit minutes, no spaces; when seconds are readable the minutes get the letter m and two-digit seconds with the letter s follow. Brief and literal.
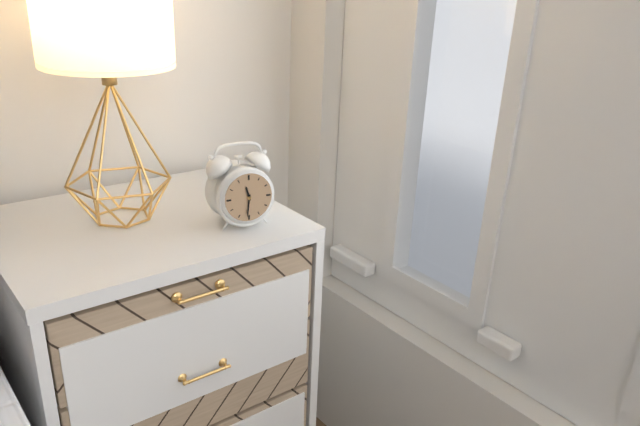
11h31
